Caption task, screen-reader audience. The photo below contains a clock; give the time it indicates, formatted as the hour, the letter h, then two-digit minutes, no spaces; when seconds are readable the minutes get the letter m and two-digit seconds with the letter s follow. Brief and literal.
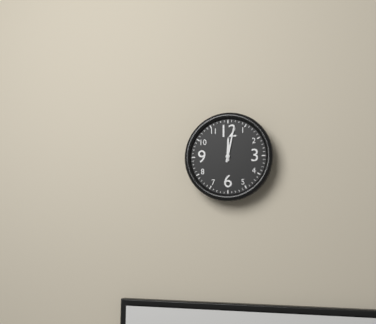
12h02
